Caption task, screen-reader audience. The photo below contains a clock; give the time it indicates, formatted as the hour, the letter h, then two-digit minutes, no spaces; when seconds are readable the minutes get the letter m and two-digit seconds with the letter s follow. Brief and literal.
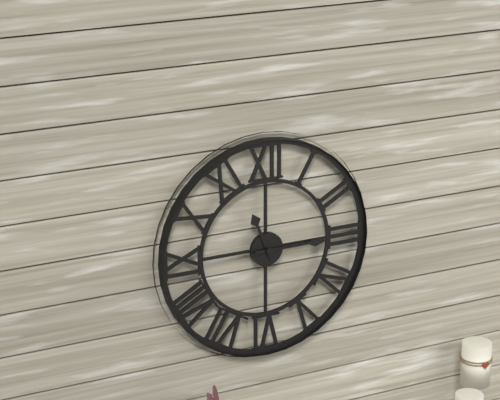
11h15
